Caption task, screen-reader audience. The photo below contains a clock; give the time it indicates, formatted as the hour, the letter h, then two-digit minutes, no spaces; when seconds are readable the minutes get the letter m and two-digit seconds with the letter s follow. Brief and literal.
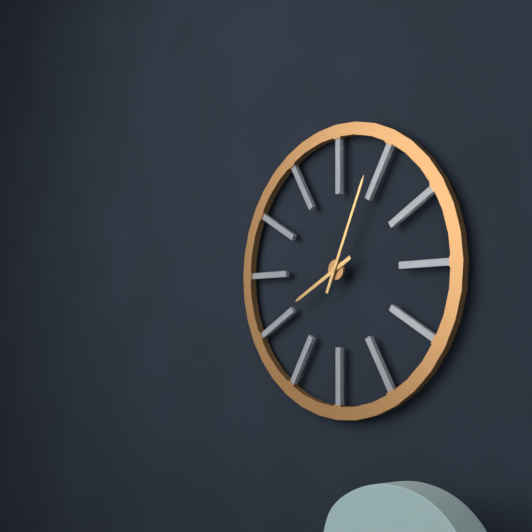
8h04
